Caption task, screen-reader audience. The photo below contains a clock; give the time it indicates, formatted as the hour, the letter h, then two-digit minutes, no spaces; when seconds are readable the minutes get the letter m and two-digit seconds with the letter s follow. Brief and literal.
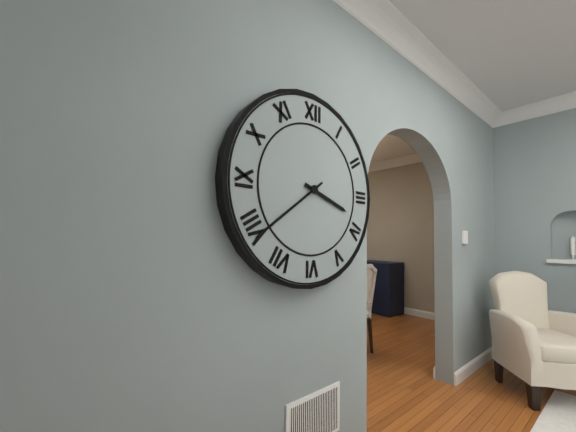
3h39
